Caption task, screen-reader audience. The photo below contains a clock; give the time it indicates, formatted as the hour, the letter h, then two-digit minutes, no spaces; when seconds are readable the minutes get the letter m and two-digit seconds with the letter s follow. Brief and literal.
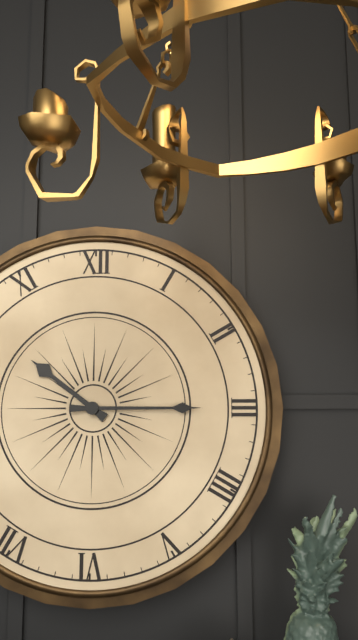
10h15
